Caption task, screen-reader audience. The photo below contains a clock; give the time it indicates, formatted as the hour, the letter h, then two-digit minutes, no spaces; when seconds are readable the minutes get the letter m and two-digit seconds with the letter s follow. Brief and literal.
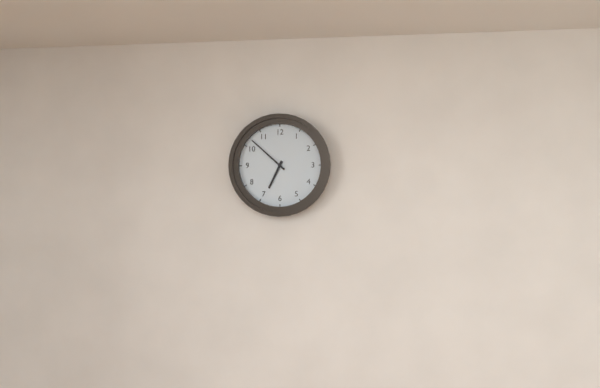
6h52
